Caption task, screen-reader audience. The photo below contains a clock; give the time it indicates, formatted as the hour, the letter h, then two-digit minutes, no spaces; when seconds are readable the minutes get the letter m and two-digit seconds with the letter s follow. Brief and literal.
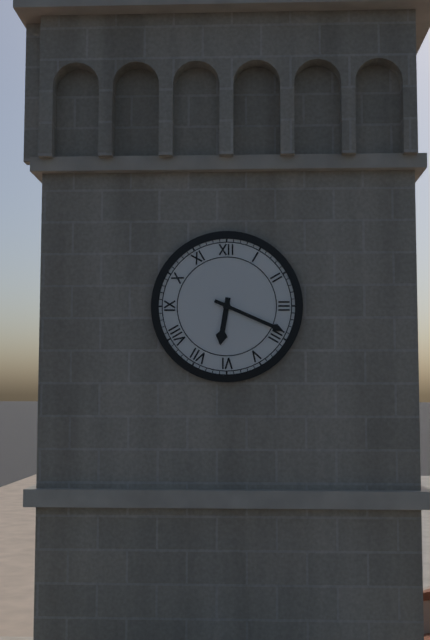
6h19
